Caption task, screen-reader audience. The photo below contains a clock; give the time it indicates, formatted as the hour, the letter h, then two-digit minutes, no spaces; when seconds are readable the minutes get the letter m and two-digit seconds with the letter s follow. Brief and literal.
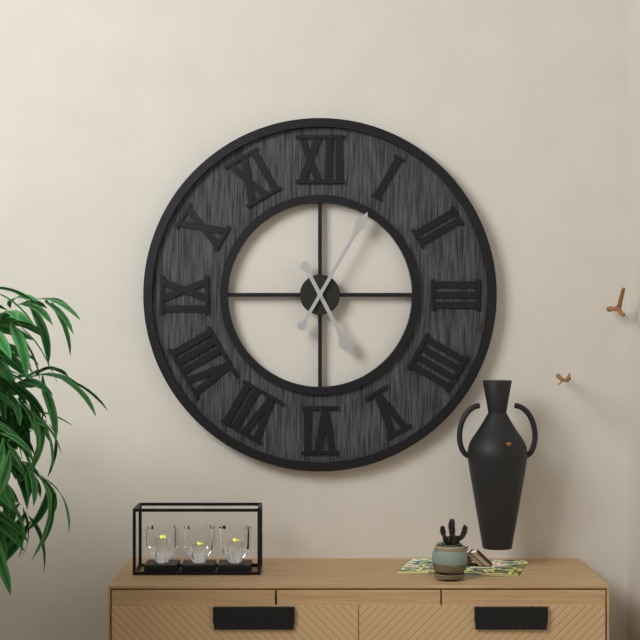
5h05
